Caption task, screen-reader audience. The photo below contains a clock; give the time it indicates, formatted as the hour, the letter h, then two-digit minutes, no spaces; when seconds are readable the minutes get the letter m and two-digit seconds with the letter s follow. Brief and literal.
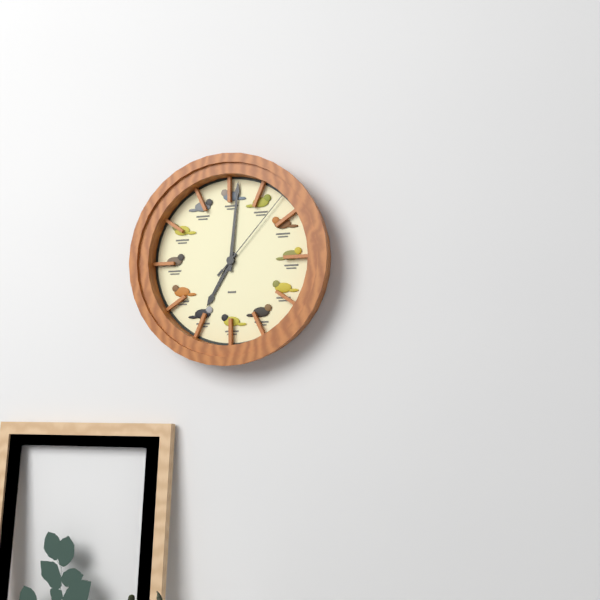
7h01m07s
